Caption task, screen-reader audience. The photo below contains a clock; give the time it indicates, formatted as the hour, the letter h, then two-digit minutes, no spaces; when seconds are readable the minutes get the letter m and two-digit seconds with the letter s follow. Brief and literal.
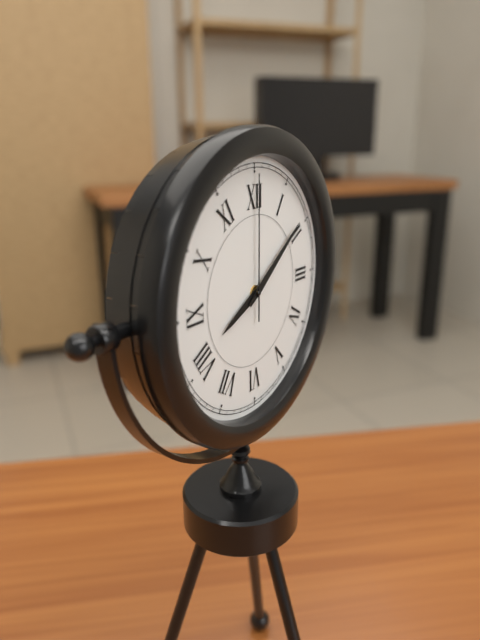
8h09m00s
